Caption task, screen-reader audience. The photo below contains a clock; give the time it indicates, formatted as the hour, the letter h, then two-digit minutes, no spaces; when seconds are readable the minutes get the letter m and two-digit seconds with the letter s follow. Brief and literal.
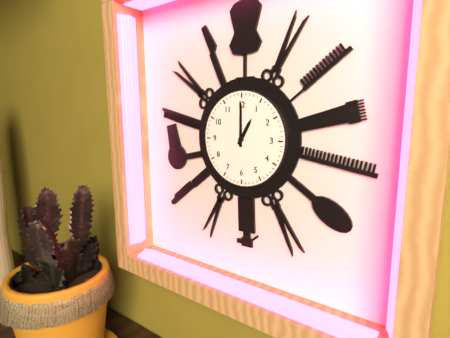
1h00
